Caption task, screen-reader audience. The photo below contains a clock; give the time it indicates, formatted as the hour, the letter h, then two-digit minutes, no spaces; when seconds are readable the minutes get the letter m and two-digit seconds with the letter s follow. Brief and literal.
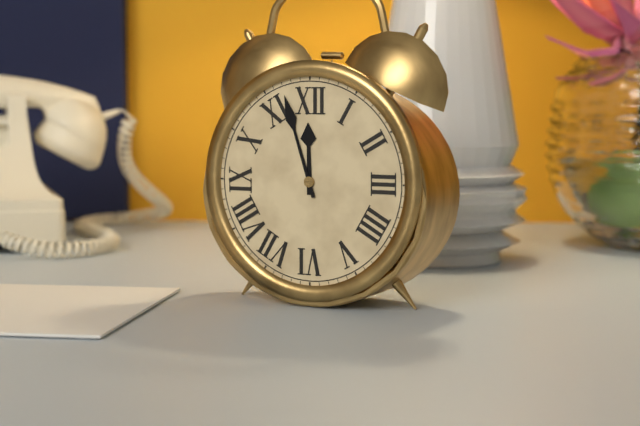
11h57
